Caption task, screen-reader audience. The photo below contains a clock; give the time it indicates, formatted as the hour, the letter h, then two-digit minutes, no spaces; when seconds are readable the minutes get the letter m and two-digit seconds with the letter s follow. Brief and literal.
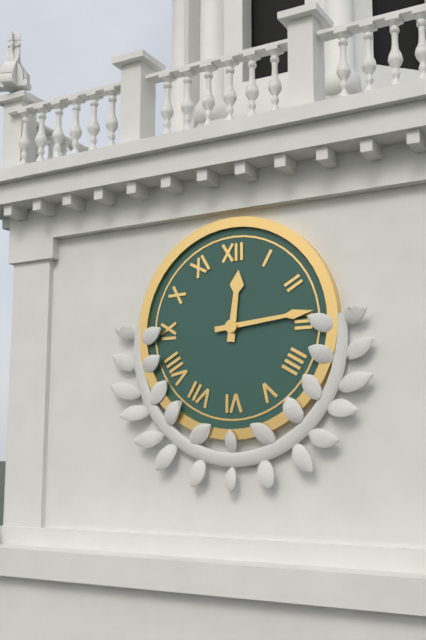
12h14
